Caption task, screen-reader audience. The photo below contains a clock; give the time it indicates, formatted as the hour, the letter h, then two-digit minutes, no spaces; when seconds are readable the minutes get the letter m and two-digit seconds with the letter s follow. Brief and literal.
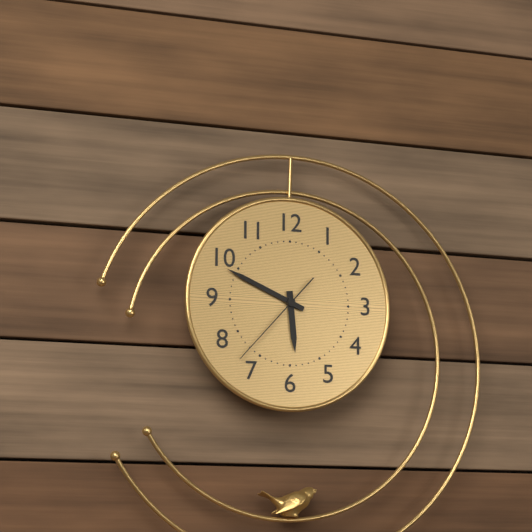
5h49m37s
